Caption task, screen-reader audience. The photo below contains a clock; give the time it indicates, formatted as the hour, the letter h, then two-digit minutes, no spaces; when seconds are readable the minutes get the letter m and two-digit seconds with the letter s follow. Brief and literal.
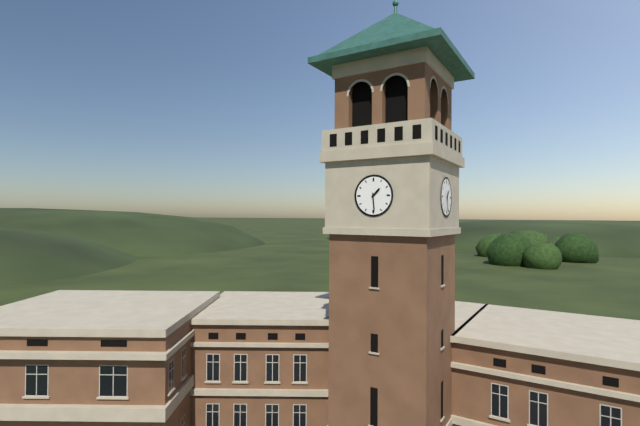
1h29
